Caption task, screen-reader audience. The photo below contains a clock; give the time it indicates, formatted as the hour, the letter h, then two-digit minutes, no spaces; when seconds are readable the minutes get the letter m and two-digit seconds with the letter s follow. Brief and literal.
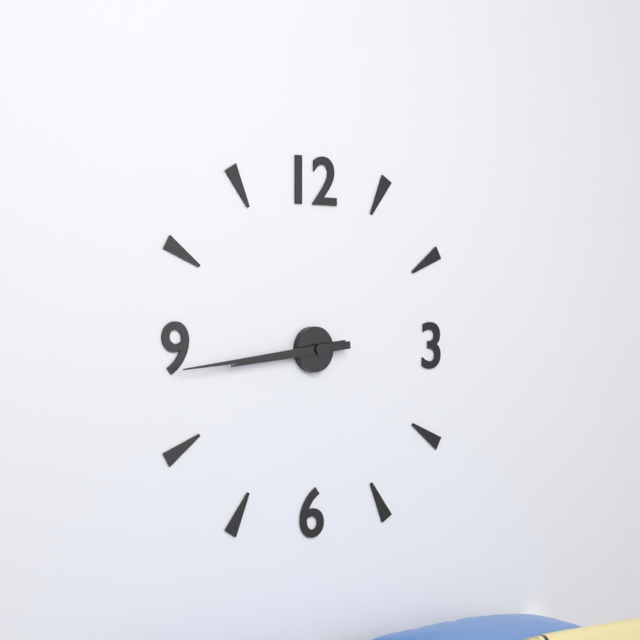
8h44
